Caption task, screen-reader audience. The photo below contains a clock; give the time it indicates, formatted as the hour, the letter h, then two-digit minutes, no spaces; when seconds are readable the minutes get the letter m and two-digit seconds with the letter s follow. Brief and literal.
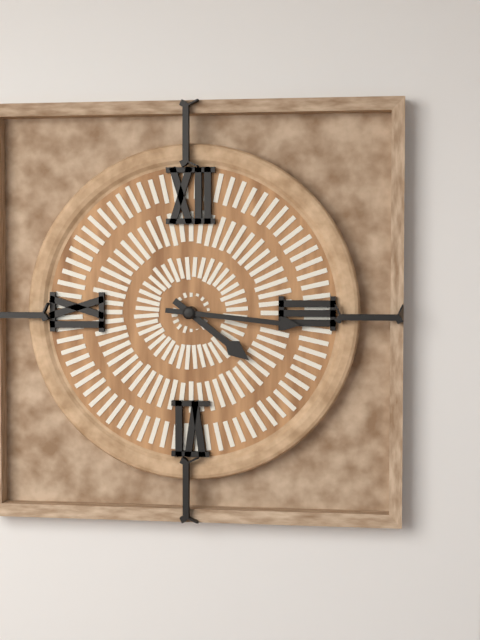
4h16
